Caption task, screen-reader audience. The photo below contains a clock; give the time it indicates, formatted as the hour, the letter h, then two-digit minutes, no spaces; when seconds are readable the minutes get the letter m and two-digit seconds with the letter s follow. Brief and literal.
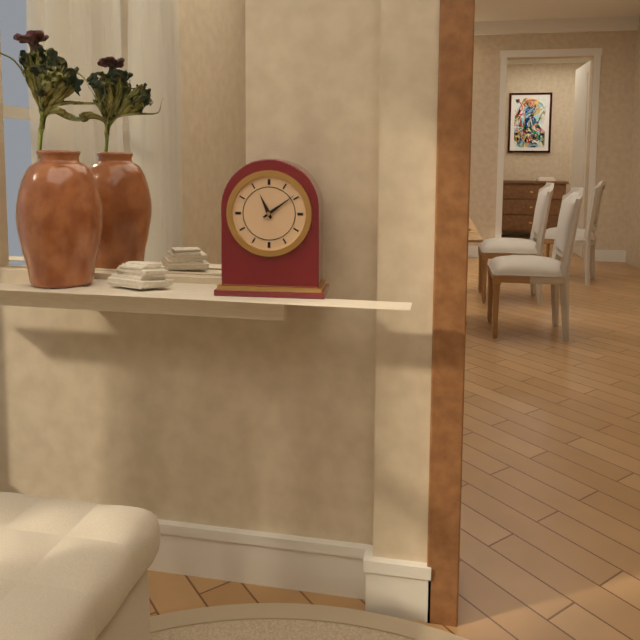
11h09
